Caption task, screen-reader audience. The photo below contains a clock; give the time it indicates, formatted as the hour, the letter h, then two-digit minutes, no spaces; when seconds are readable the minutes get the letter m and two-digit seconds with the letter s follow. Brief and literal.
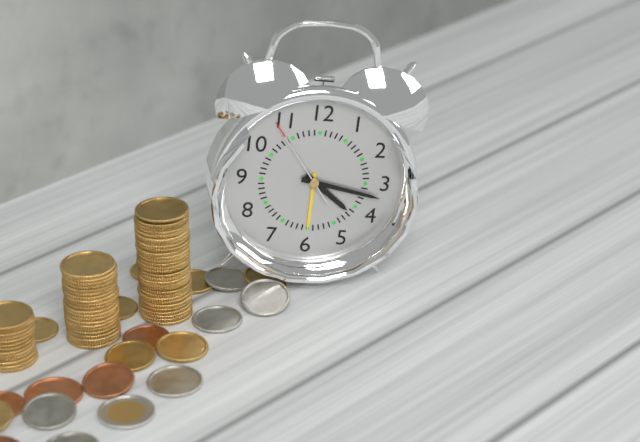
4h17m54s
